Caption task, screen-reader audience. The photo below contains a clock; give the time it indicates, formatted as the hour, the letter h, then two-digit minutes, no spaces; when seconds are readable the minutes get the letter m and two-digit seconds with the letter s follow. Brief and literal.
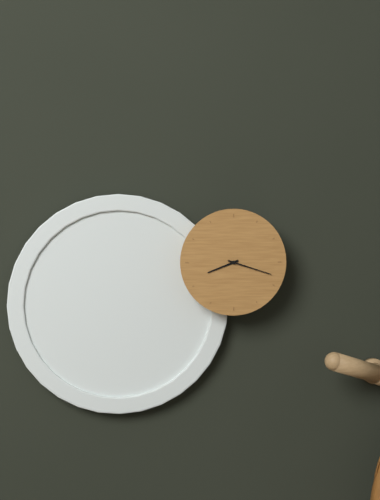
8h18
